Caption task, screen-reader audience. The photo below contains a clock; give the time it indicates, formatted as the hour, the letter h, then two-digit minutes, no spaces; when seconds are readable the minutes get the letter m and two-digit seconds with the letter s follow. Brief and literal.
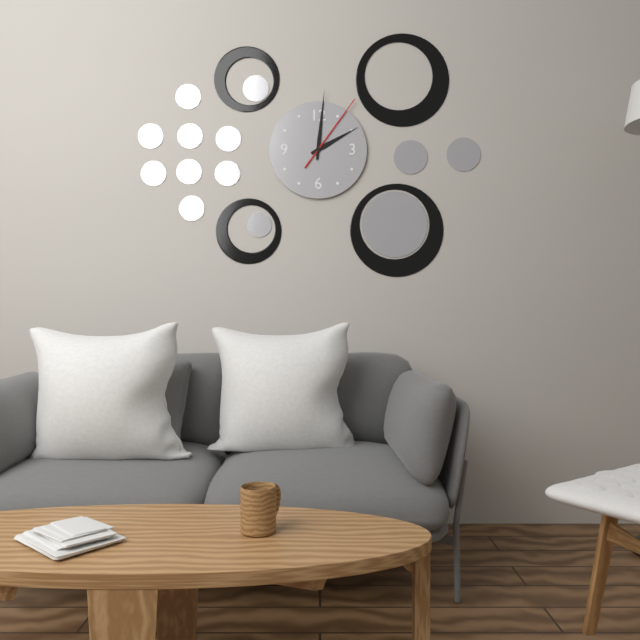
2h01m06s
